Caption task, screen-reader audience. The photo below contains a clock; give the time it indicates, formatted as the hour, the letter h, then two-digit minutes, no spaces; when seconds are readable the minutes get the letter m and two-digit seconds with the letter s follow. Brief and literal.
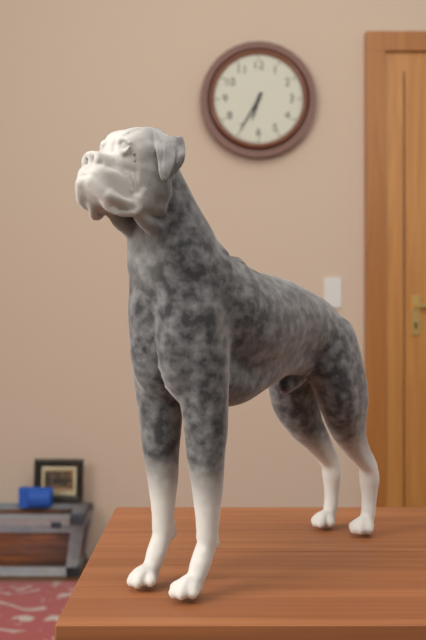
6h35
